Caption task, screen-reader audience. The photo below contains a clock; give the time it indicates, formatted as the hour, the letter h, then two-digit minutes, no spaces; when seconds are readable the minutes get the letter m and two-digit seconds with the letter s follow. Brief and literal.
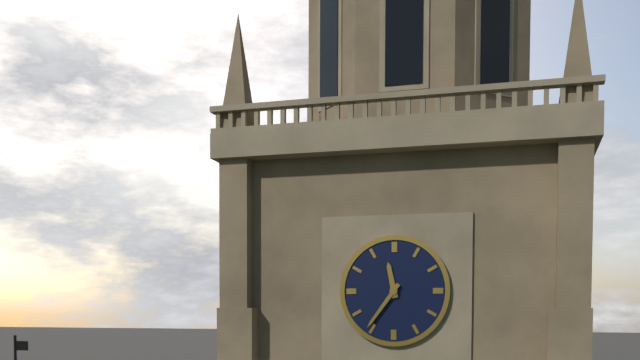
11h36
